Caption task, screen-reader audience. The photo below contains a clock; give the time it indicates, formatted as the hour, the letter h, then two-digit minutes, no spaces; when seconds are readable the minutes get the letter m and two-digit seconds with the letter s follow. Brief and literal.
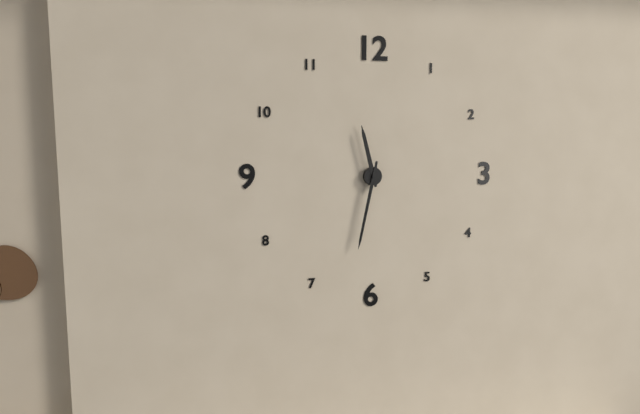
11h32
